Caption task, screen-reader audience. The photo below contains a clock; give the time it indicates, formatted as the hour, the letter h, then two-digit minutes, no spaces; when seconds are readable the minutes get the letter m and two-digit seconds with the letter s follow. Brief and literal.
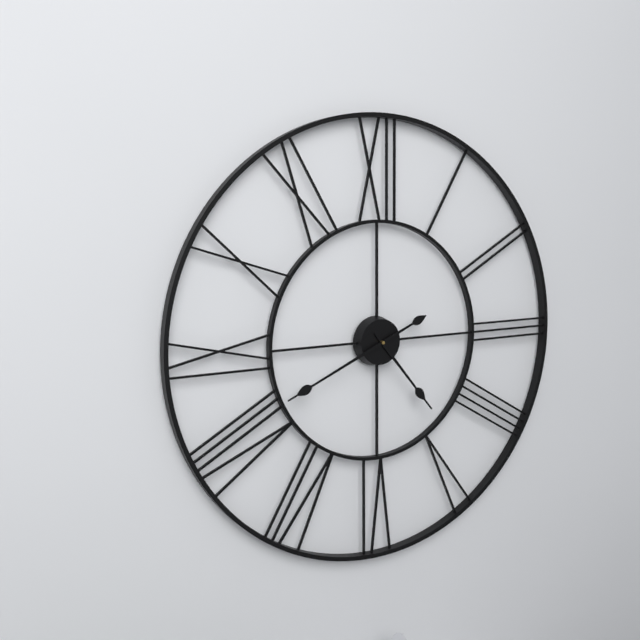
4h41
